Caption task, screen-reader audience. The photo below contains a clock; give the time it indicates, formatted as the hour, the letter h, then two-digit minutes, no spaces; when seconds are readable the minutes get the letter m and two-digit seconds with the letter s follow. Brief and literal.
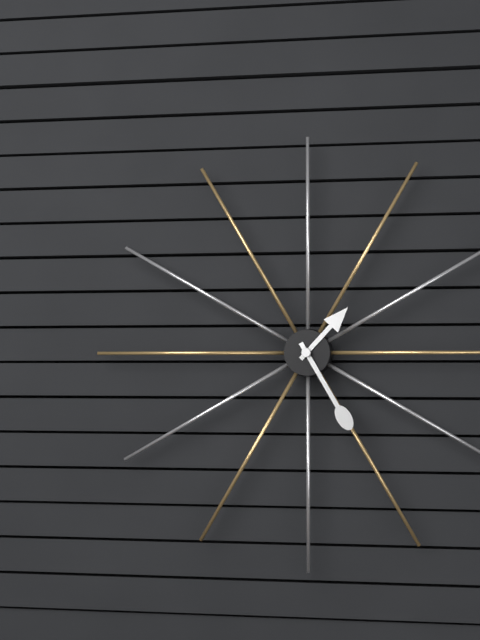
1h25
